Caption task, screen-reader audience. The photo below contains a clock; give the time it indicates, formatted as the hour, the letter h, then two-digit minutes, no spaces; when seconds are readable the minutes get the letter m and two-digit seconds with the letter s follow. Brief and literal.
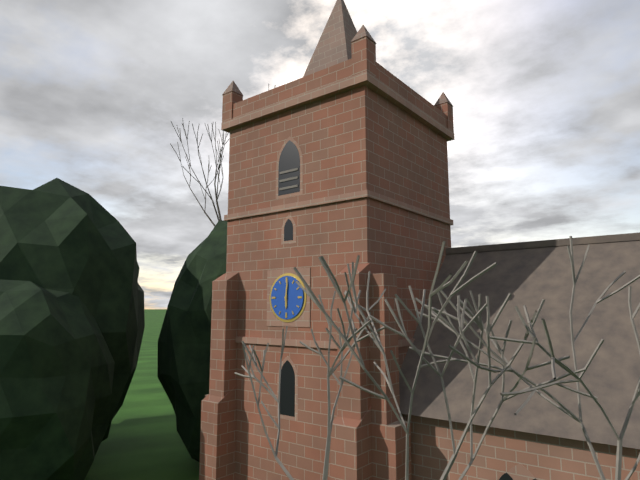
6h01
